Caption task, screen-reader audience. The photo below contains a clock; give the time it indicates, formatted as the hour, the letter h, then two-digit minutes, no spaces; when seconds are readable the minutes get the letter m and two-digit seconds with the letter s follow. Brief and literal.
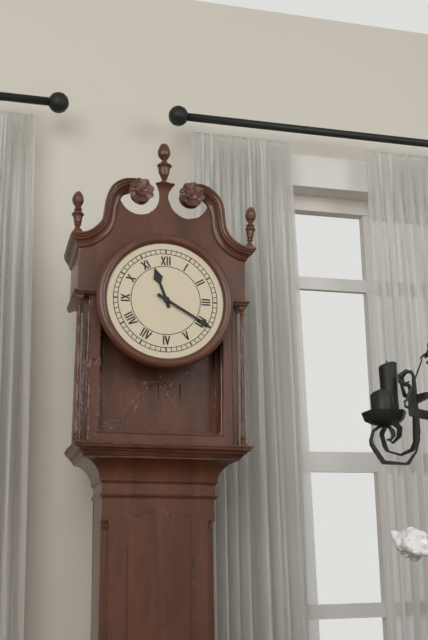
11h20
